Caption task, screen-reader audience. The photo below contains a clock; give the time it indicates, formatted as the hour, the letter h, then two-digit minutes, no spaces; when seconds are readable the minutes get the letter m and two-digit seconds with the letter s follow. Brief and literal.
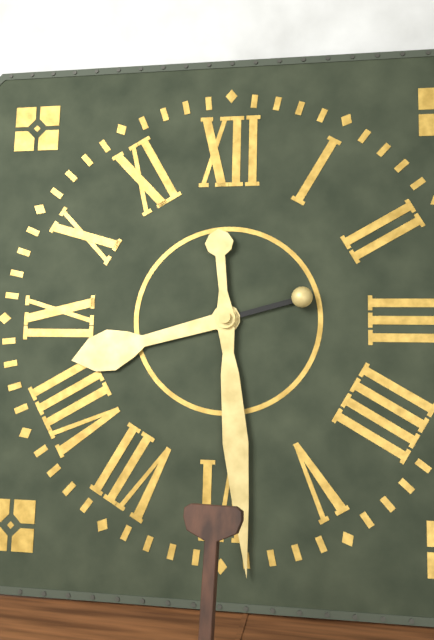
8h29
